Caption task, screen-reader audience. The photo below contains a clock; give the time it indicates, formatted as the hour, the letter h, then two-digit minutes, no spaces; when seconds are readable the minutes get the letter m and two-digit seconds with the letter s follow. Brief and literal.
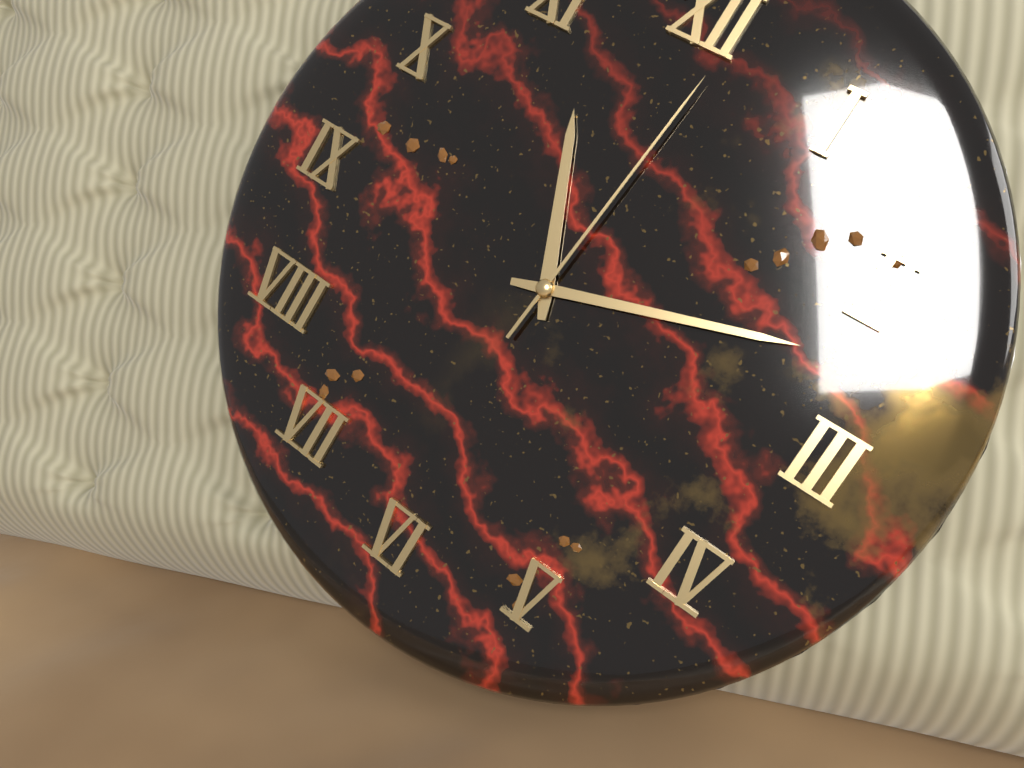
11h12m01s
